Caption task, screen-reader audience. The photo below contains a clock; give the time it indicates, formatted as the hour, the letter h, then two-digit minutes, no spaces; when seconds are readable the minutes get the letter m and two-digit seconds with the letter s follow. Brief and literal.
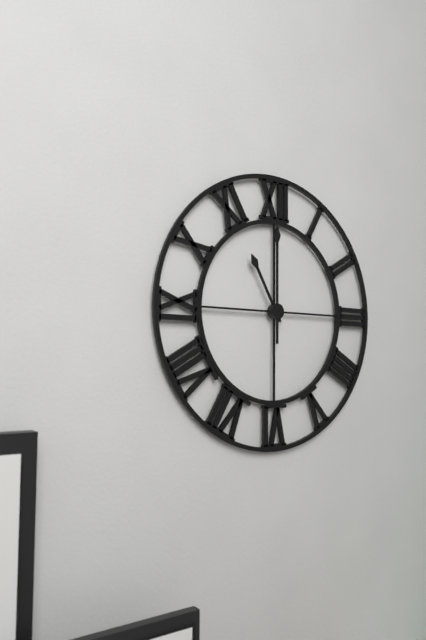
11h00
